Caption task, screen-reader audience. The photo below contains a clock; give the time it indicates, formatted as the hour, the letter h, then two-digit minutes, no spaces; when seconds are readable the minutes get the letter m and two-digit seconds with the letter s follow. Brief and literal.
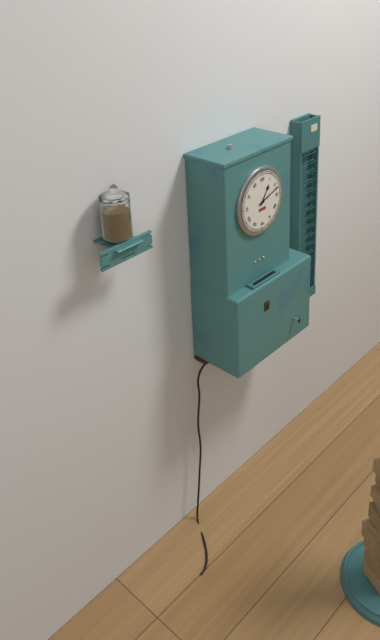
1h12
